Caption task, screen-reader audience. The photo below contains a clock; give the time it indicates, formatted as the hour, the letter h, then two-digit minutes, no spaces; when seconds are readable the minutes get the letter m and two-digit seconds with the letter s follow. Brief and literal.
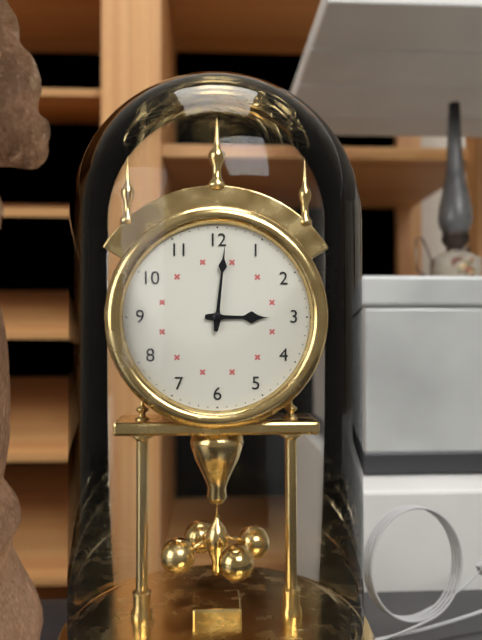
3h01
